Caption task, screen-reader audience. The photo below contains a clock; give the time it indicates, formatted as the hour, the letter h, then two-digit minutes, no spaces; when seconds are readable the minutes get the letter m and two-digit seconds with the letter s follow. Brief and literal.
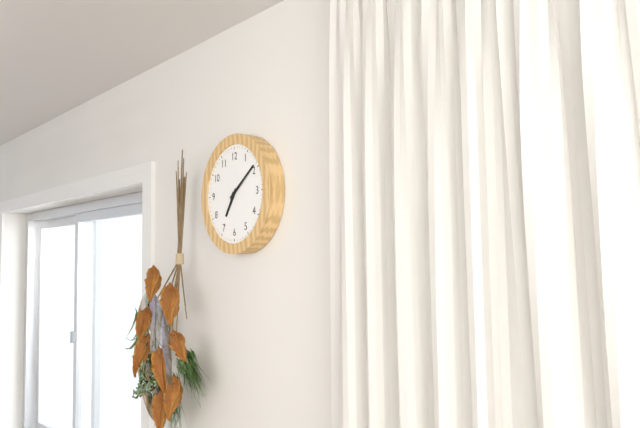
7h09
